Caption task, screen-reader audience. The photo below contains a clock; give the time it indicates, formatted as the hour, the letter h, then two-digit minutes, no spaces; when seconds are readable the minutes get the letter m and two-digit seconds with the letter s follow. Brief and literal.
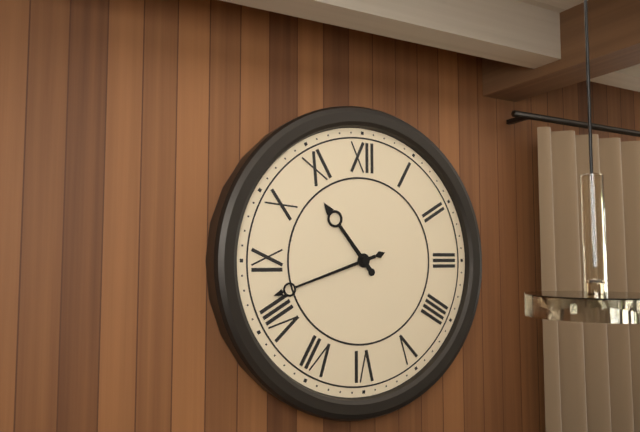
10h42
